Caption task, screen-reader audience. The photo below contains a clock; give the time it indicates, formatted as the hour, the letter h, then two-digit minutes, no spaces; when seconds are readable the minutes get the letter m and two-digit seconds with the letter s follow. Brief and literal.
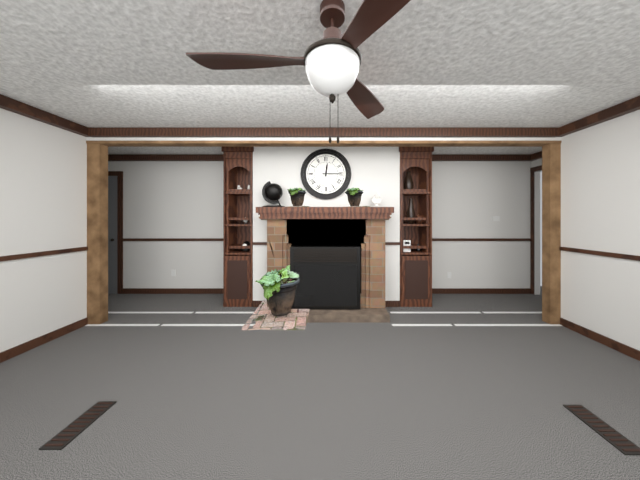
12h15
